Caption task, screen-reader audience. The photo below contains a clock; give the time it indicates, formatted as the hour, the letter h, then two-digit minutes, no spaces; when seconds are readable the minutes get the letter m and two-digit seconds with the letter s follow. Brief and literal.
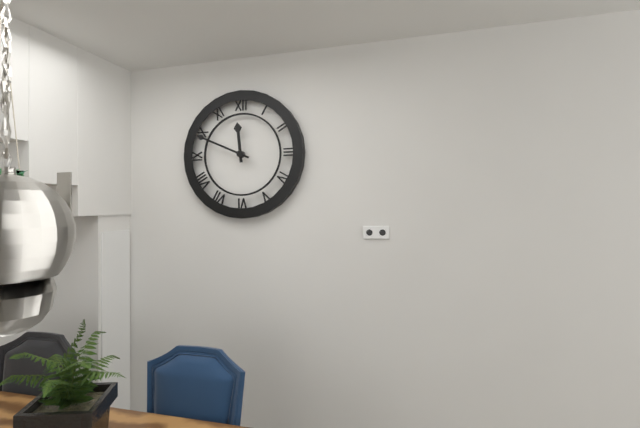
11h49
